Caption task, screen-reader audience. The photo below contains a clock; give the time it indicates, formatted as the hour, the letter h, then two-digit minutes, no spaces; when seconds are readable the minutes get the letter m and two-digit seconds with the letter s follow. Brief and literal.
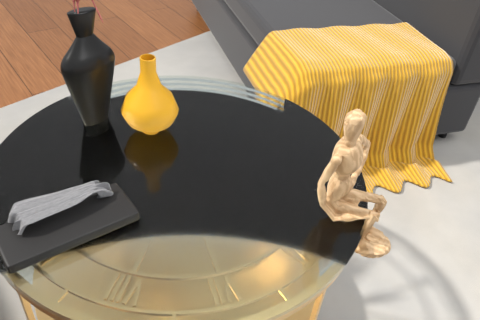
10h21
